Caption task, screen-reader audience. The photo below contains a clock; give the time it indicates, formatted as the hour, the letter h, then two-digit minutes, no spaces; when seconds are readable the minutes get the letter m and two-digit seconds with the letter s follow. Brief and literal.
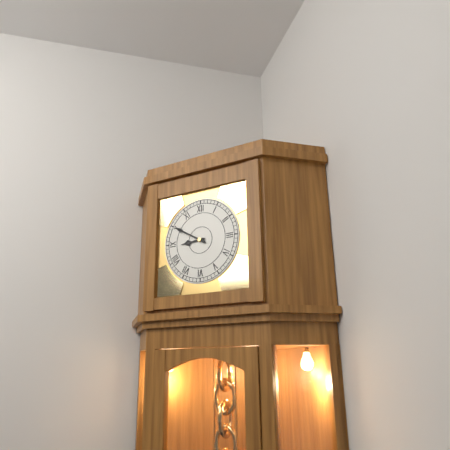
8h50
